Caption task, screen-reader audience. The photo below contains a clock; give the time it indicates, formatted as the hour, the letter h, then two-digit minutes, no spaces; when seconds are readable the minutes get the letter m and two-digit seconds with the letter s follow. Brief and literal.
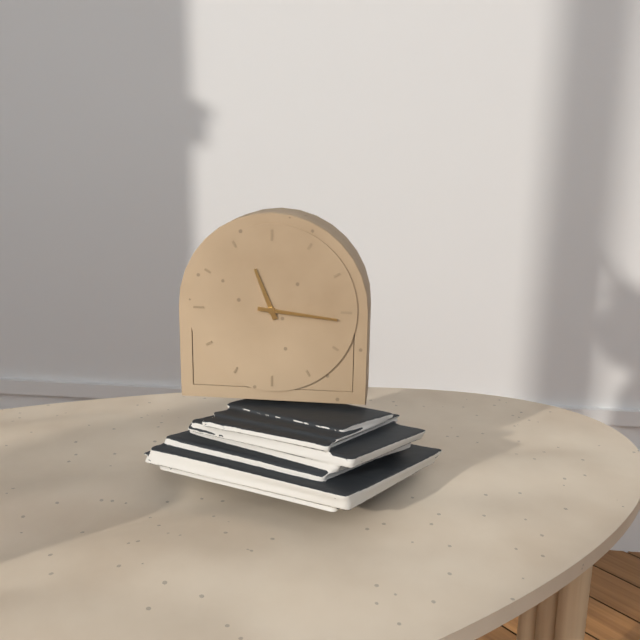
11h16
